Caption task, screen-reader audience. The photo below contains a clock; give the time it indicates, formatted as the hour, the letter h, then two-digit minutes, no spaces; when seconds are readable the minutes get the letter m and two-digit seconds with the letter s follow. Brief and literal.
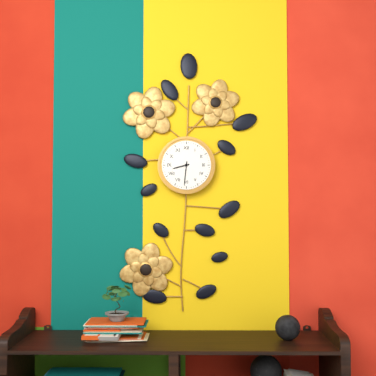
8h31
